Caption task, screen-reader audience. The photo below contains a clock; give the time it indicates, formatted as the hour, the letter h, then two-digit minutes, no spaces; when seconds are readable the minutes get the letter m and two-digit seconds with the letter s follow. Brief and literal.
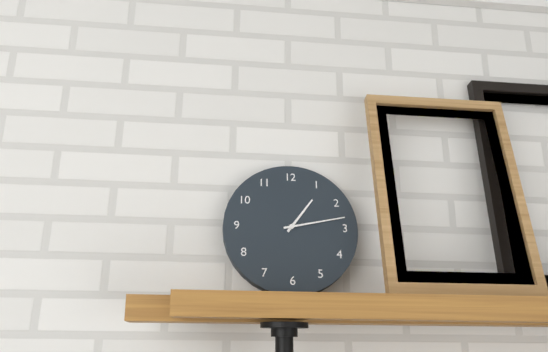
1h13
